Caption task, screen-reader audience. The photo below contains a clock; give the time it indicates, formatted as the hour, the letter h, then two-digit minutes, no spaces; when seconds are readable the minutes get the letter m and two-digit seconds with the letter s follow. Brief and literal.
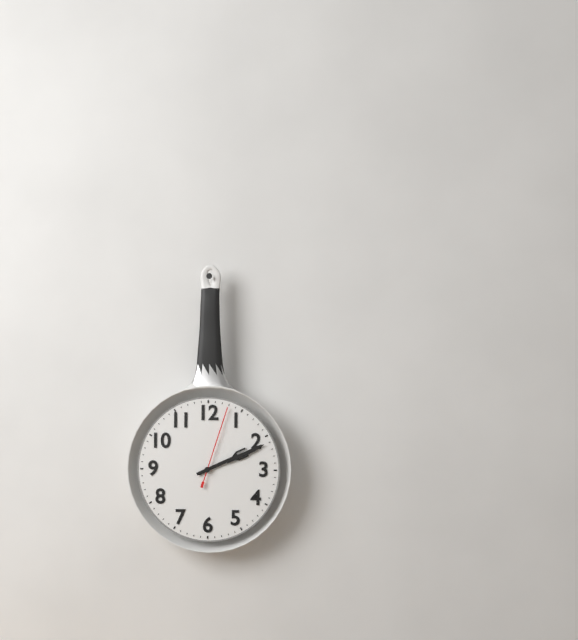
2h11m03s
